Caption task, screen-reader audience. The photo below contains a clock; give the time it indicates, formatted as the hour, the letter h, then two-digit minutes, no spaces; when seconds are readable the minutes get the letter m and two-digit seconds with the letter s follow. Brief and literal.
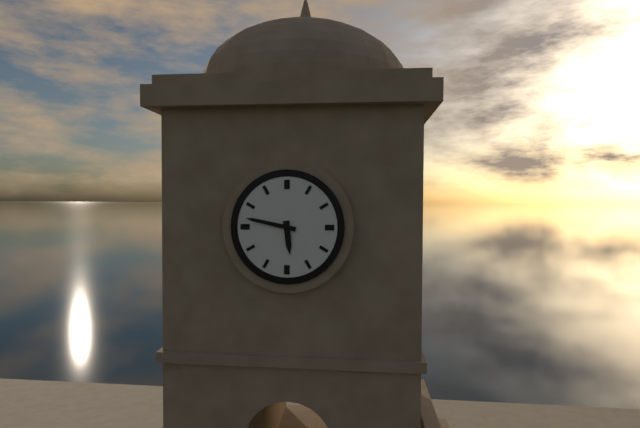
5h47
